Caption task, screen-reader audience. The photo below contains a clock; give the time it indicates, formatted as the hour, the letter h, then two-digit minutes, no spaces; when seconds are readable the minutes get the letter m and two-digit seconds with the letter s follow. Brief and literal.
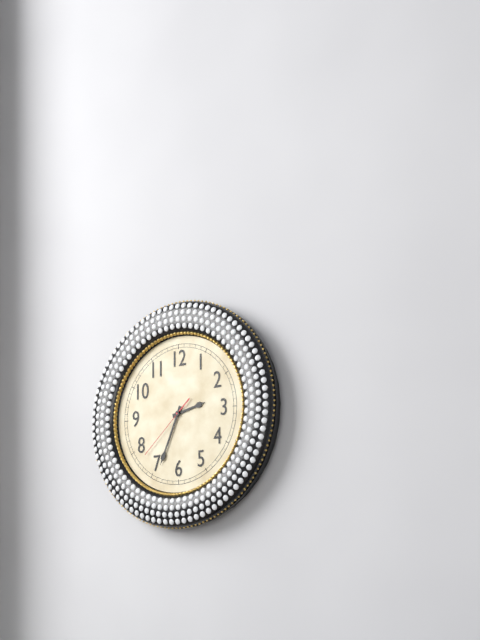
2h34m38s
